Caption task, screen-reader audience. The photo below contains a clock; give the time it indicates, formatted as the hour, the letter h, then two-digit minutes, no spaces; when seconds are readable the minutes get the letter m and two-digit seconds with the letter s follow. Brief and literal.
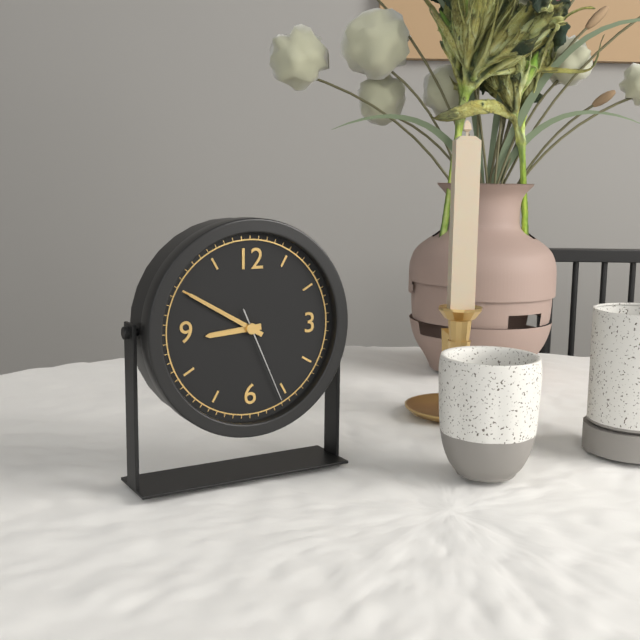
8h50m26s
